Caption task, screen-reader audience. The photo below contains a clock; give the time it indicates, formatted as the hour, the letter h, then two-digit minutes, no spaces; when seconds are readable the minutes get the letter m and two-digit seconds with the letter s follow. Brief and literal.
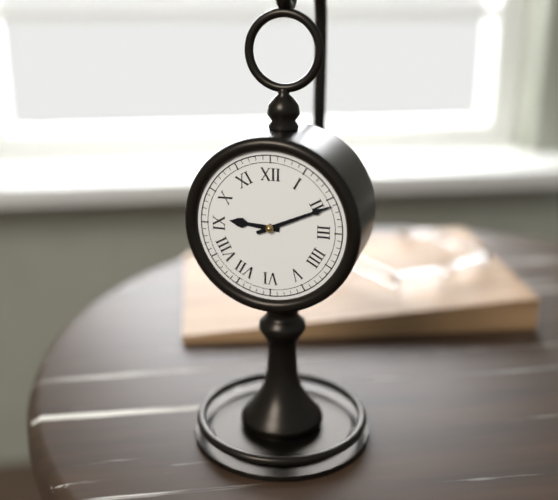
9h11
